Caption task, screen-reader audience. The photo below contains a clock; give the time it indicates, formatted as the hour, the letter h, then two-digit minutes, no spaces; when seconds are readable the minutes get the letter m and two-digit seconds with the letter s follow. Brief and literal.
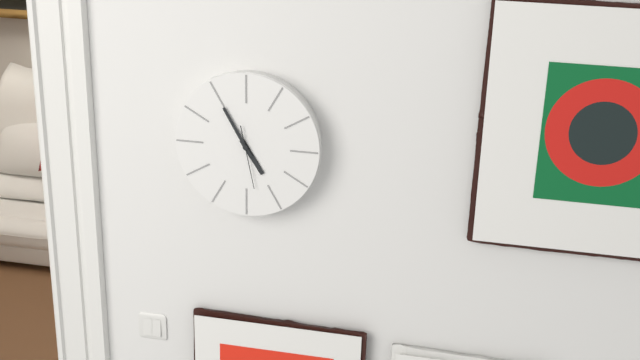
4h55m28s
